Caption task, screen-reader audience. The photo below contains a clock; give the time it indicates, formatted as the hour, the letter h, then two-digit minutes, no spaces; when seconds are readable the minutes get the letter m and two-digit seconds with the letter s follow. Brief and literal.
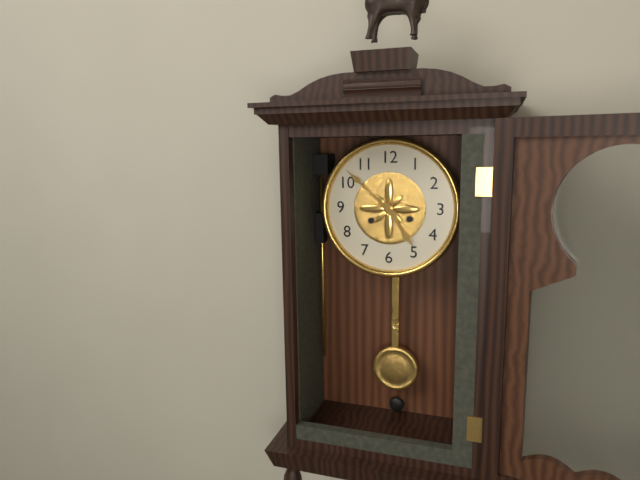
4h52
